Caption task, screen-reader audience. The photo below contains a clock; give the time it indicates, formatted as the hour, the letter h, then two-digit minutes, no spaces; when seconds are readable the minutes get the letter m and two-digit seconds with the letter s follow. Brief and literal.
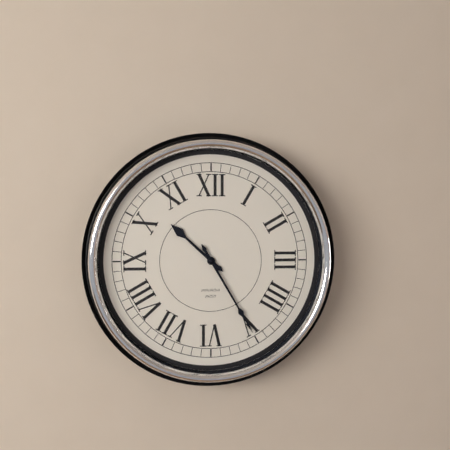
10h25
